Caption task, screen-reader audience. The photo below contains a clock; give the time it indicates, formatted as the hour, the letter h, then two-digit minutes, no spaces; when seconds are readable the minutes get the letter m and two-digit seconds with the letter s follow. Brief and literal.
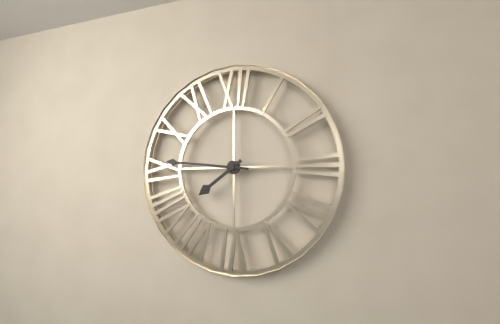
7h46
